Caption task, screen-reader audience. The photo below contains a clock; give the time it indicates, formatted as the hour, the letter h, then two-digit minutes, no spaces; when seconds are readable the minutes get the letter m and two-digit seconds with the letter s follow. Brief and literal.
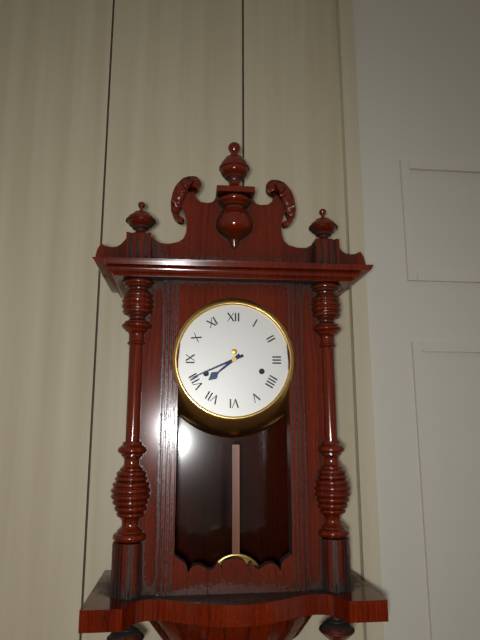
7h41
